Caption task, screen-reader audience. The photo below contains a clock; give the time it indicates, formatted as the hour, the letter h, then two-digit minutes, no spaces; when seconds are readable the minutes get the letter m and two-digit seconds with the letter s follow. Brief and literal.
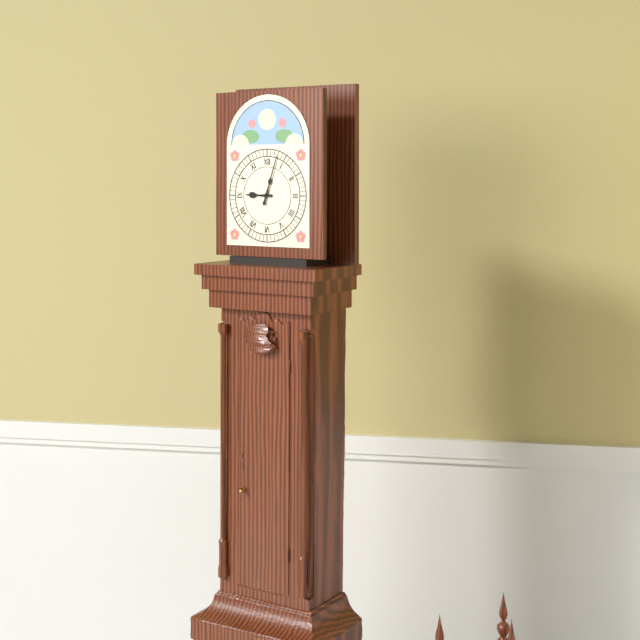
9h03
